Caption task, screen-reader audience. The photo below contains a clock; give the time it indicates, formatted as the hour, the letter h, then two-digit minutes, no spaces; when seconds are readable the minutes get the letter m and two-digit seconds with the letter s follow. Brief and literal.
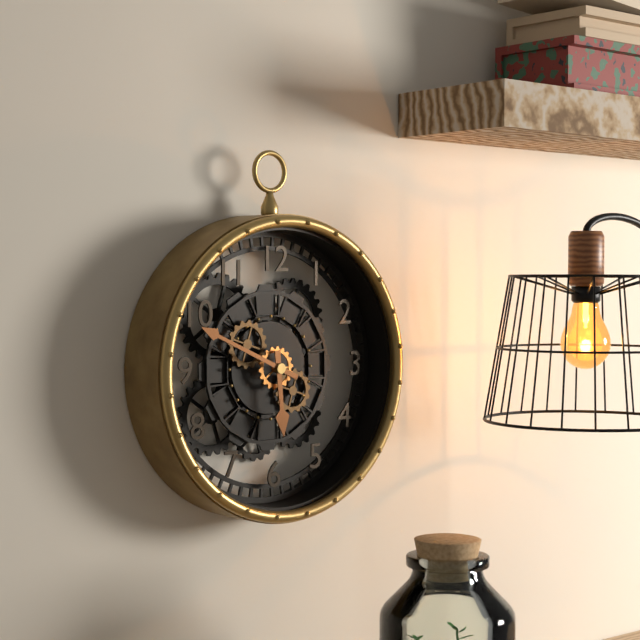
5h49
